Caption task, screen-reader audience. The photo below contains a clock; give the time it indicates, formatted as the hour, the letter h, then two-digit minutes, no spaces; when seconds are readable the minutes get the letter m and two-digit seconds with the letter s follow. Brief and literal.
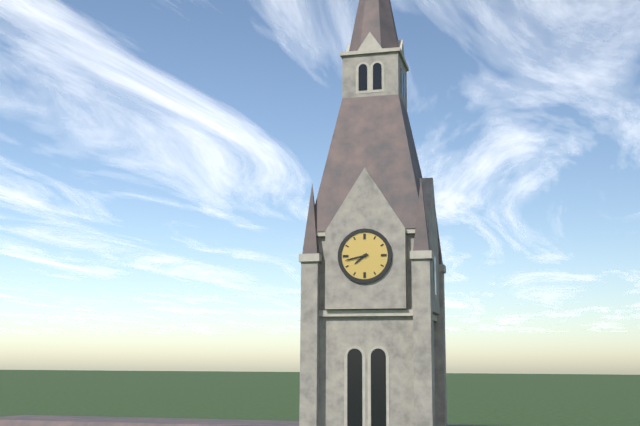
7h43
